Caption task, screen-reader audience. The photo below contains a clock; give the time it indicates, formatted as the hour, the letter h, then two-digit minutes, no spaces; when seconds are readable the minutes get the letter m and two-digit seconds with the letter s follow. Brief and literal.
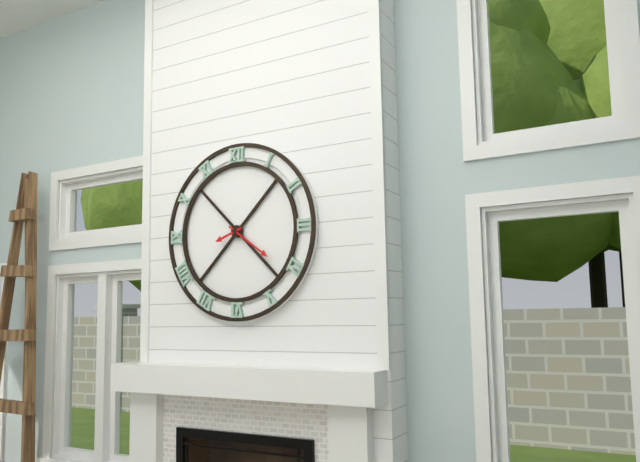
8h21
